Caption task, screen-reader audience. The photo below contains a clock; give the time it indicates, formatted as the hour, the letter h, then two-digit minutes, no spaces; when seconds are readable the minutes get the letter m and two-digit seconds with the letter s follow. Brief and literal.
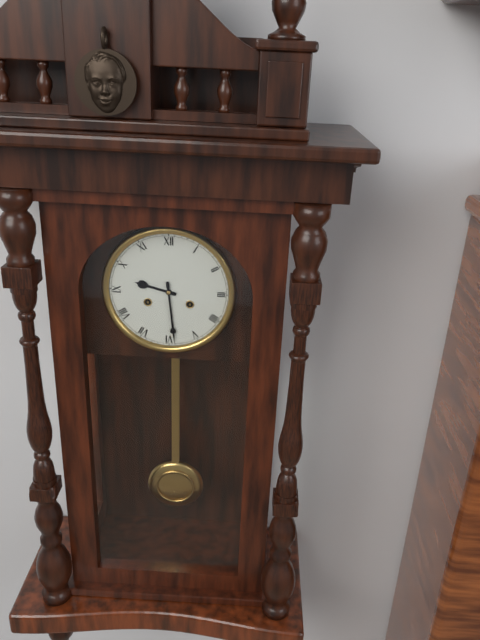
9h29
